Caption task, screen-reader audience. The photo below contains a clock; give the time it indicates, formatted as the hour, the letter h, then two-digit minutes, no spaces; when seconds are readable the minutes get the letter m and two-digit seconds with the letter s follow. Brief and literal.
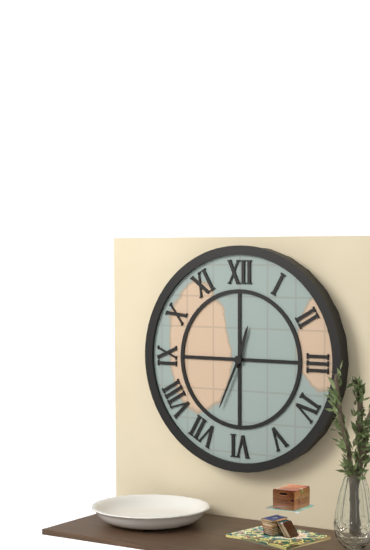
12h34
